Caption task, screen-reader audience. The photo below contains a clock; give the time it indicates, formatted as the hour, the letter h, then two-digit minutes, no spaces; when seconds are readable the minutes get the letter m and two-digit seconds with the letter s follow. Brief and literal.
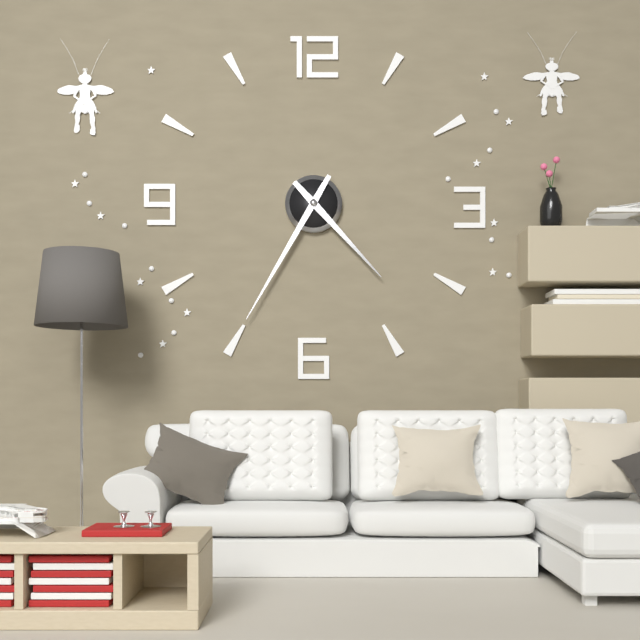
4h35
